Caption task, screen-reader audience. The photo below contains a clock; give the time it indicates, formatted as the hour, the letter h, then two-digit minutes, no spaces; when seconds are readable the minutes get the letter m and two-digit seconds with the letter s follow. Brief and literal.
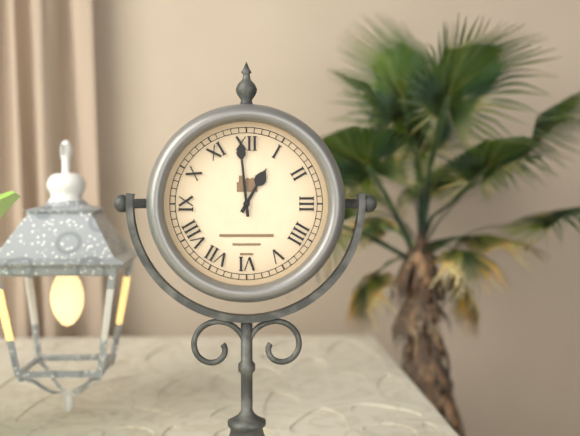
12h59
